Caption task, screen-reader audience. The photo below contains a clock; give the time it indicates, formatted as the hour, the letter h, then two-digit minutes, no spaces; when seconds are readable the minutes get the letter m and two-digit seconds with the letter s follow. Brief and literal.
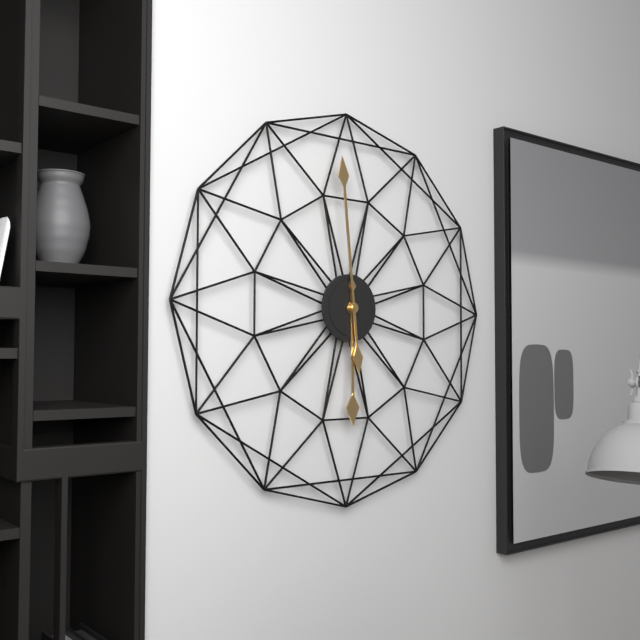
5h59
